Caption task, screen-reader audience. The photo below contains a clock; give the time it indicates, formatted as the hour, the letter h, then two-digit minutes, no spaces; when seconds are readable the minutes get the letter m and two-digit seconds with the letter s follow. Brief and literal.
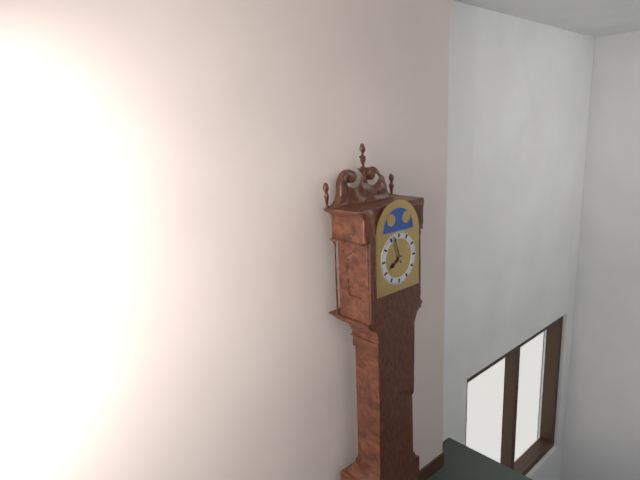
7h57
